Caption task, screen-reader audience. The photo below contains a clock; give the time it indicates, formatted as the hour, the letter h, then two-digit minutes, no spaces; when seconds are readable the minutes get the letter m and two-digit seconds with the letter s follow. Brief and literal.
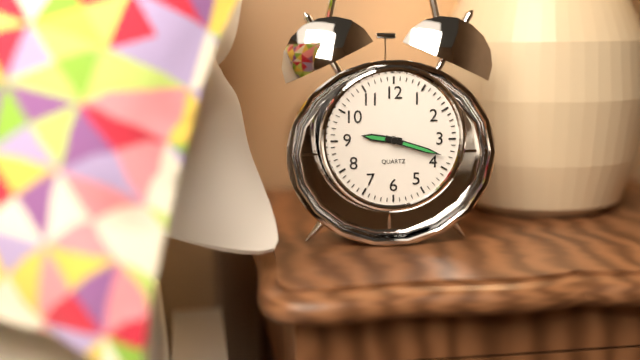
9h18
